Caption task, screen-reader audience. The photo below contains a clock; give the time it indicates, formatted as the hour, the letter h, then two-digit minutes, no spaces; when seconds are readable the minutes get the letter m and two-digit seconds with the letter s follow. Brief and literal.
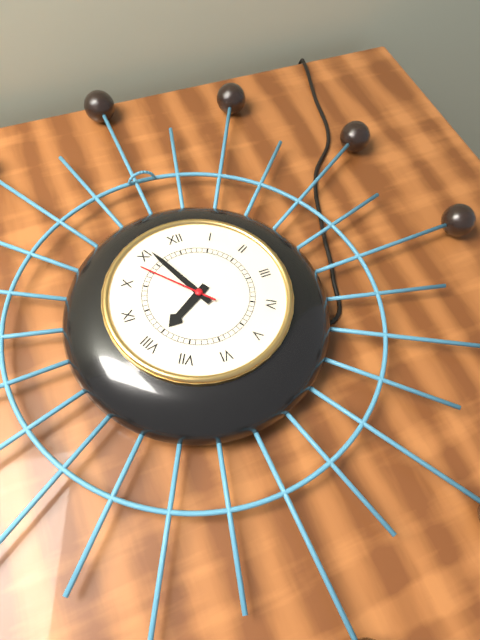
7h56m53s
